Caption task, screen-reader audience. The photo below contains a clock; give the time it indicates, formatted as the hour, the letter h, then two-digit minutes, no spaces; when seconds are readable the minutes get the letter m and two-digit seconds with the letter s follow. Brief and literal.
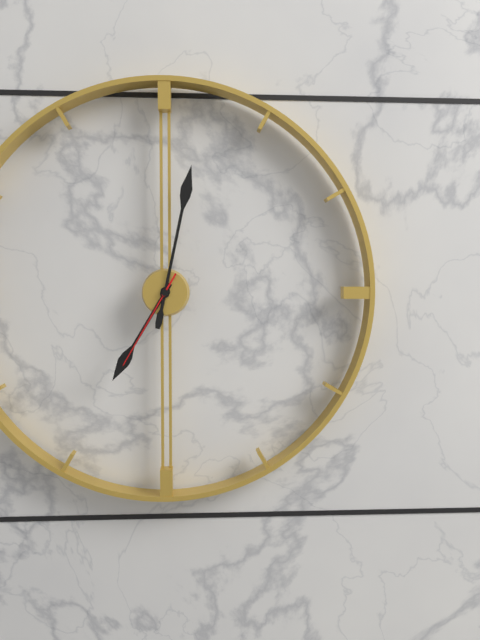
7h02m35s
